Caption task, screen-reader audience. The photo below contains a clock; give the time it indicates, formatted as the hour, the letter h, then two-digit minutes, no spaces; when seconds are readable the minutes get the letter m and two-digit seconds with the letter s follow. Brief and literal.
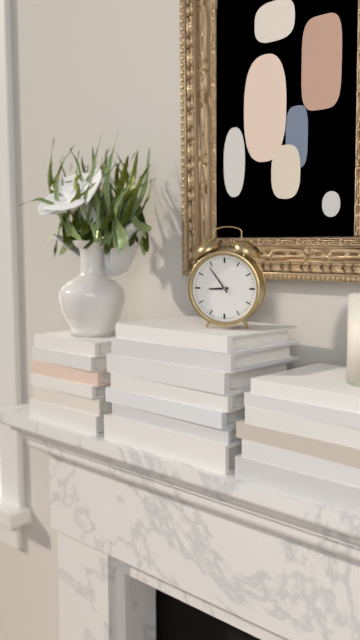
8h54
